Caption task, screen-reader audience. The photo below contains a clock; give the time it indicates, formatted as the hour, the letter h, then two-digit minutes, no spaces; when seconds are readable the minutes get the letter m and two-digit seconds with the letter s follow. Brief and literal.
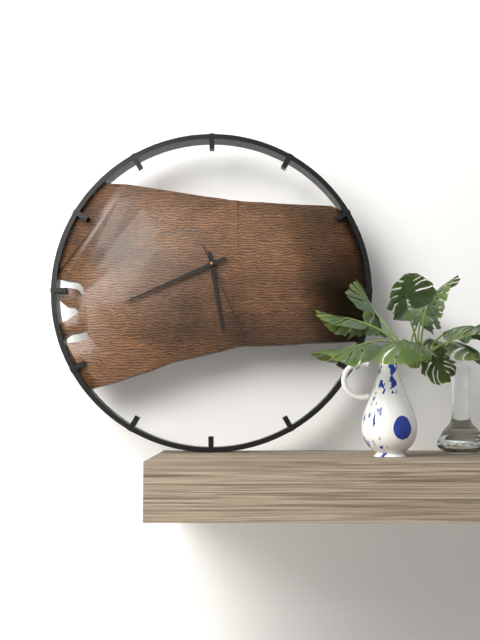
5h41m26s
